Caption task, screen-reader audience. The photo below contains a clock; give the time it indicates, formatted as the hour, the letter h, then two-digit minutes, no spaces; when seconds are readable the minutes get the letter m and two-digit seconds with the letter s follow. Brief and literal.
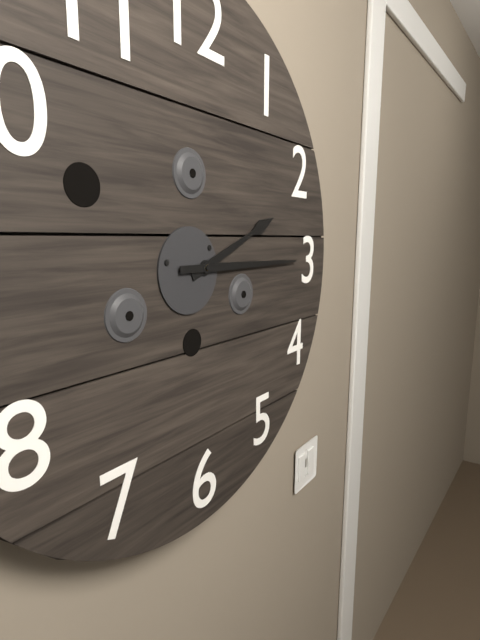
2h15
